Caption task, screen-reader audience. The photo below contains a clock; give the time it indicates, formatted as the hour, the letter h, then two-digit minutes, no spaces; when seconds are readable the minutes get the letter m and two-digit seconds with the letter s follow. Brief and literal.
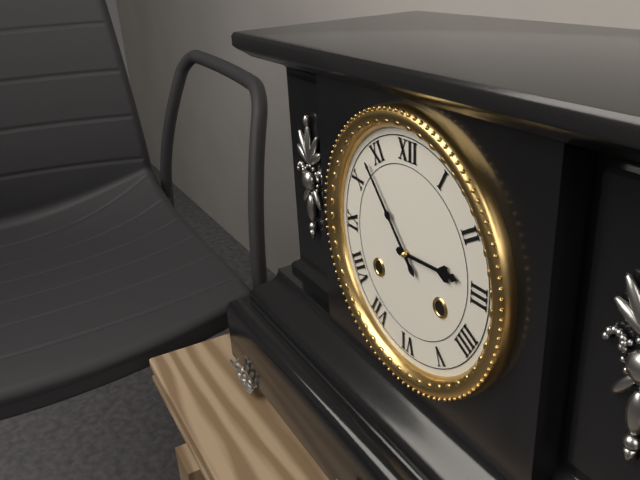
2h53
